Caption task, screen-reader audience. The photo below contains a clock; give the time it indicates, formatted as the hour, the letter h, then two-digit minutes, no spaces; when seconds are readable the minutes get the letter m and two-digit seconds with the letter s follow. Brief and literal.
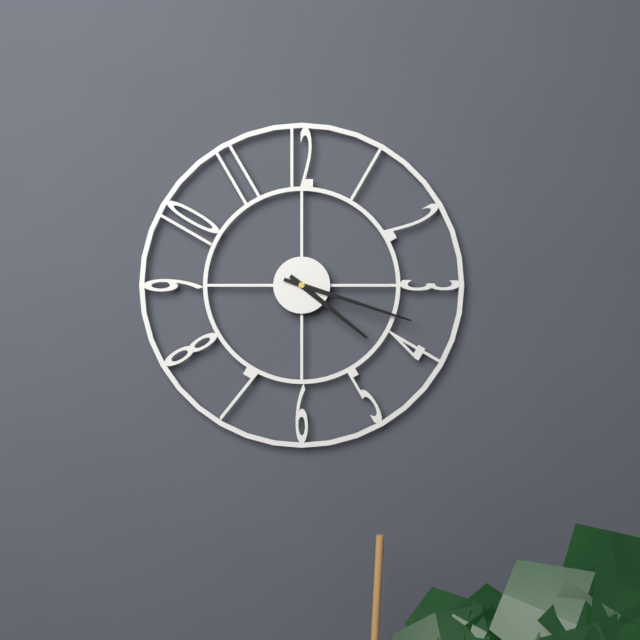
4h18
